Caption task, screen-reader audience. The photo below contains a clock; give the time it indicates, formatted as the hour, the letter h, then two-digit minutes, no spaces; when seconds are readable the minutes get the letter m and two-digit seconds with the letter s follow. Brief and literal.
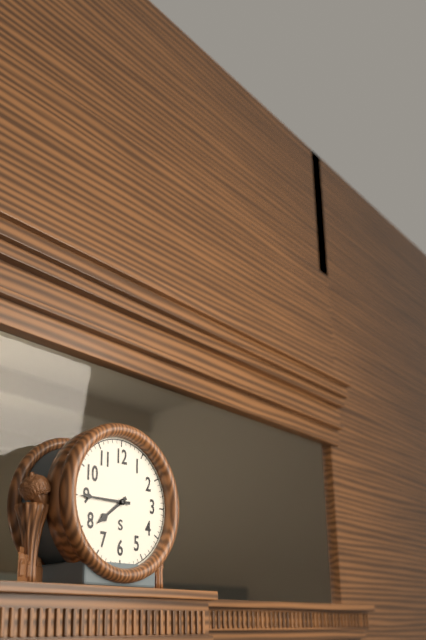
7h45
